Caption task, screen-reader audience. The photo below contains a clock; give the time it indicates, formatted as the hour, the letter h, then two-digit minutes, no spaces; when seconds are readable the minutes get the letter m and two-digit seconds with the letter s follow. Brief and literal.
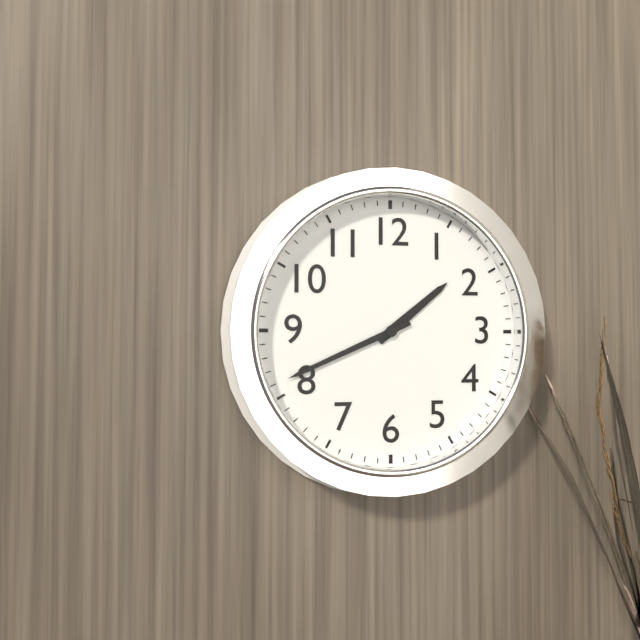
1h41
